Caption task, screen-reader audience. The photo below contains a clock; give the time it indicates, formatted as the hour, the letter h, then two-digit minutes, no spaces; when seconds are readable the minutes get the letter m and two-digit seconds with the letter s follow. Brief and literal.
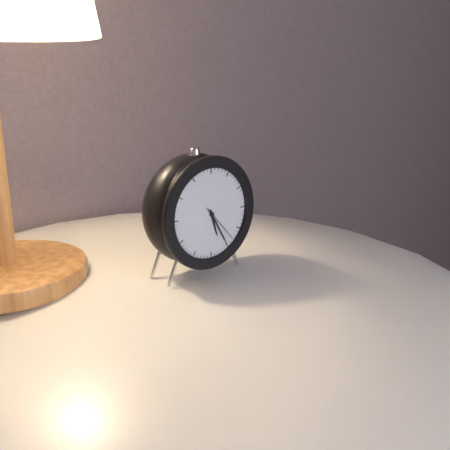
5h25
